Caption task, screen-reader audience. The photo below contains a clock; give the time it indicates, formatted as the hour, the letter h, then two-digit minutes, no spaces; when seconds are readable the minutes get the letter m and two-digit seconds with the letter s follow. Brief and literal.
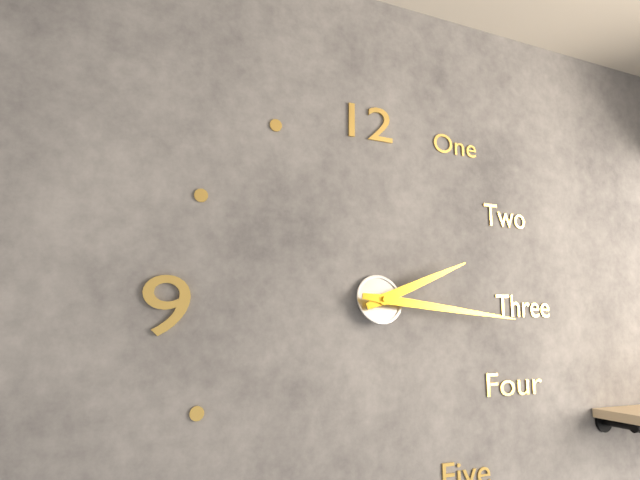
2h16
